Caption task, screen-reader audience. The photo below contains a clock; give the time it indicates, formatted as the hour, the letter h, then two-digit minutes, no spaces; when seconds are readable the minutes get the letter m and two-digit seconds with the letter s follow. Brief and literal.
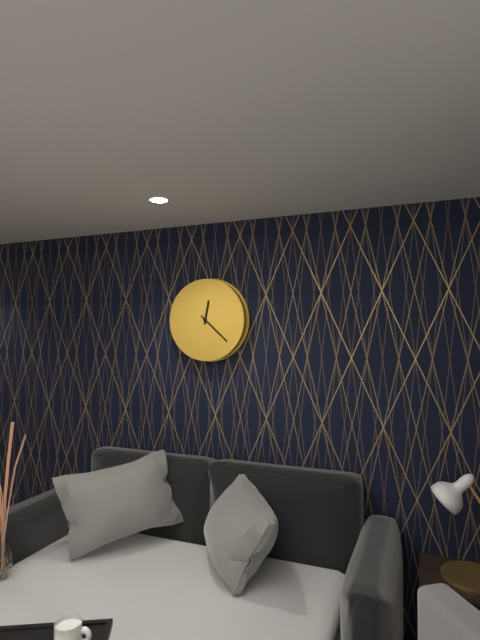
12h22
